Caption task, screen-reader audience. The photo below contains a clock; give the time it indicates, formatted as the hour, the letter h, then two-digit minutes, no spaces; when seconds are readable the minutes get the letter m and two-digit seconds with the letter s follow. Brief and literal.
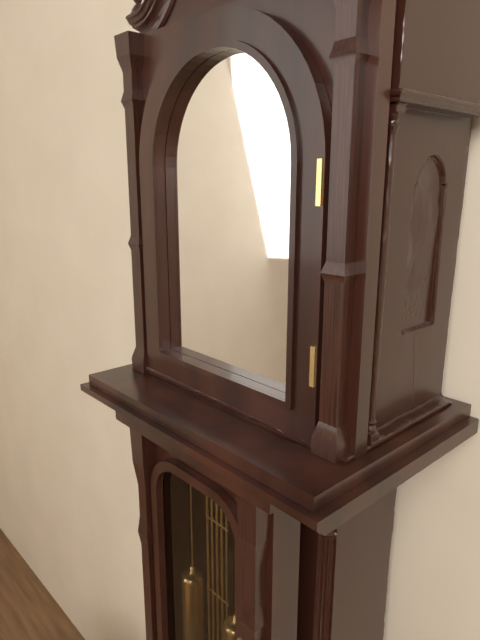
8h22
